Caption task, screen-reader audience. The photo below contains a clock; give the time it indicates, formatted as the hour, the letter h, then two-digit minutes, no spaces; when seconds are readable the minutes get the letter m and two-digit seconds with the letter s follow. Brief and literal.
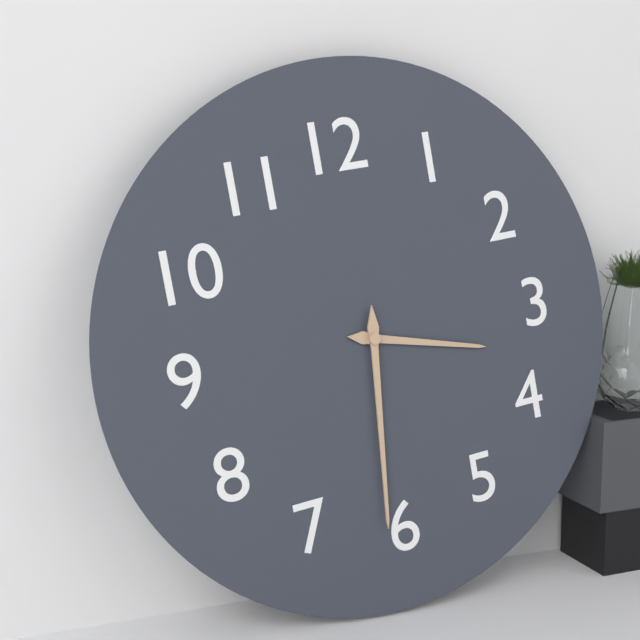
3h31
